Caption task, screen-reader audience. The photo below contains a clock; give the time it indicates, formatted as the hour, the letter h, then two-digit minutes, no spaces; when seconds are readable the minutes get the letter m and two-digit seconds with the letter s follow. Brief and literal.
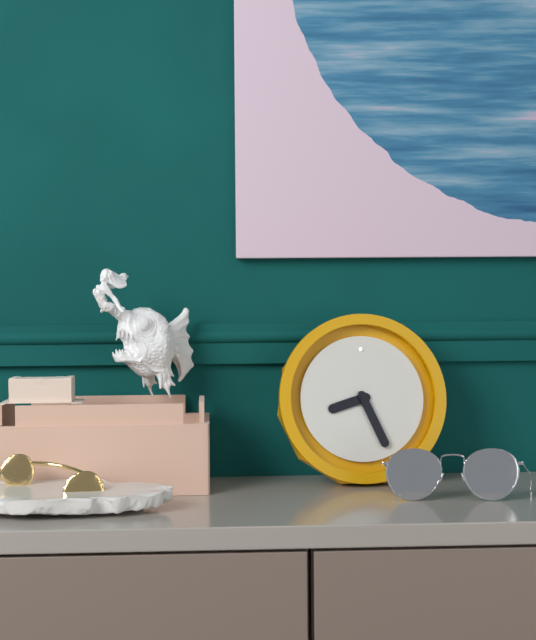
8h26
